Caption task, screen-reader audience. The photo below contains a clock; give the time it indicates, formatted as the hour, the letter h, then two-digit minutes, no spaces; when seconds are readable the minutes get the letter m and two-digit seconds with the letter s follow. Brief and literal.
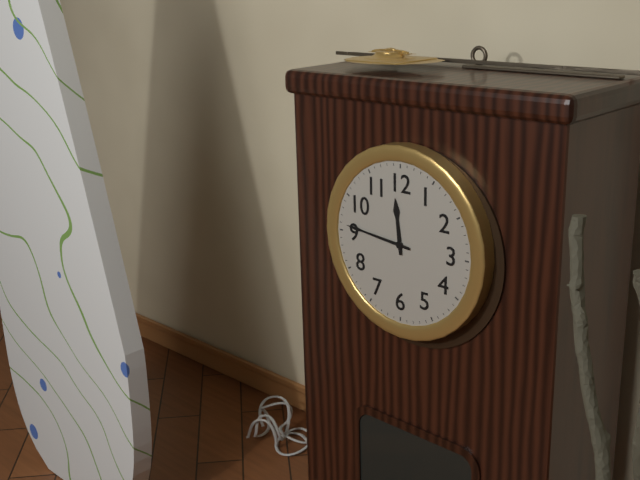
11h46
